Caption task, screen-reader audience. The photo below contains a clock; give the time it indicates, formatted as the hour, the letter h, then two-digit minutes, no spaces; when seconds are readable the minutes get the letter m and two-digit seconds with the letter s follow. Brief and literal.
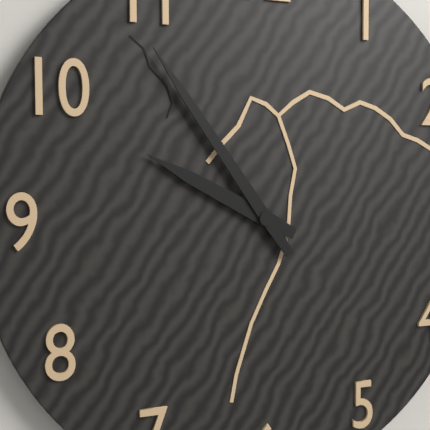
9h54
